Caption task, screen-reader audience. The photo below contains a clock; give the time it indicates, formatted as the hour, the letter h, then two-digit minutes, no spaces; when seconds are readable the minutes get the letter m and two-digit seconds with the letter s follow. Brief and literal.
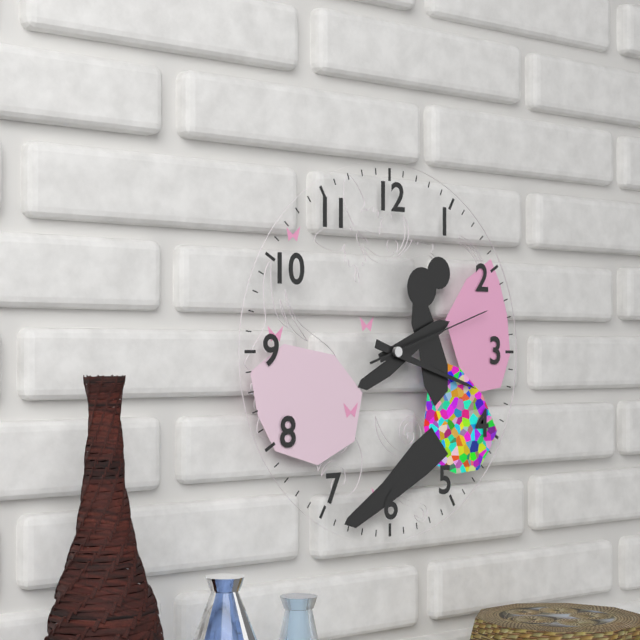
2h18m12s
